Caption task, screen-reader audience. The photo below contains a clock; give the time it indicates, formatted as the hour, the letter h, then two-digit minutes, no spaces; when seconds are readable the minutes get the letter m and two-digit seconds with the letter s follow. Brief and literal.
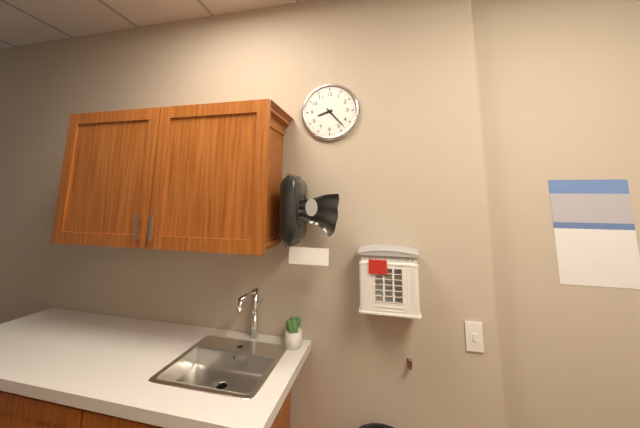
8h23
